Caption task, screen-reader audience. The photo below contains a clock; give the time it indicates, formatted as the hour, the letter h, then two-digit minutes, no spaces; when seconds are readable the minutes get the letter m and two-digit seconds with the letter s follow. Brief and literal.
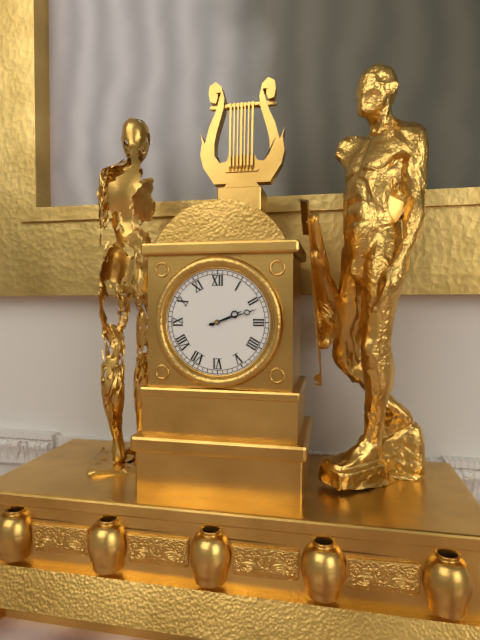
2h12
